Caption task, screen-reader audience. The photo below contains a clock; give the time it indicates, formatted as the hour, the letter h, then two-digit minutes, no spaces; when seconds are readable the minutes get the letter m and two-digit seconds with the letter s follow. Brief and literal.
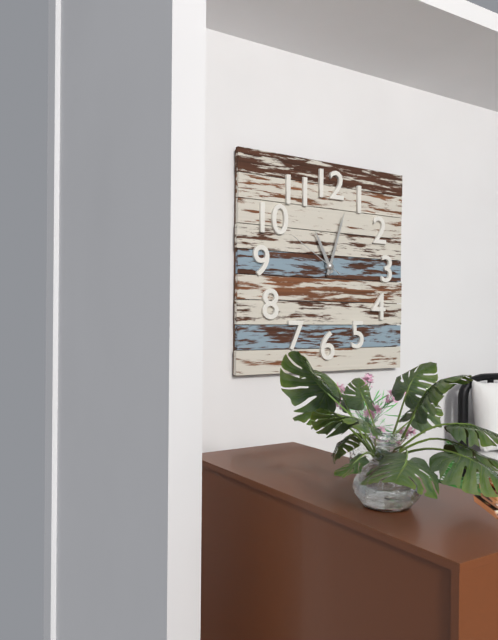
11h03m50s
